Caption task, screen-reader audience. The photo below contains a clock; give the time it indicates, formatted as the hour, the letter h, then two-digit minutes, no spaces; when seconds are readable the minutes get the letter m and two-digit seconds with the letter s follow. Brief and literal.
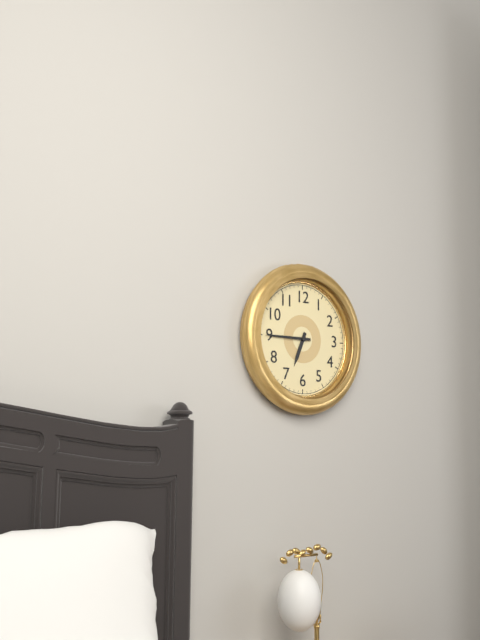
6h45
